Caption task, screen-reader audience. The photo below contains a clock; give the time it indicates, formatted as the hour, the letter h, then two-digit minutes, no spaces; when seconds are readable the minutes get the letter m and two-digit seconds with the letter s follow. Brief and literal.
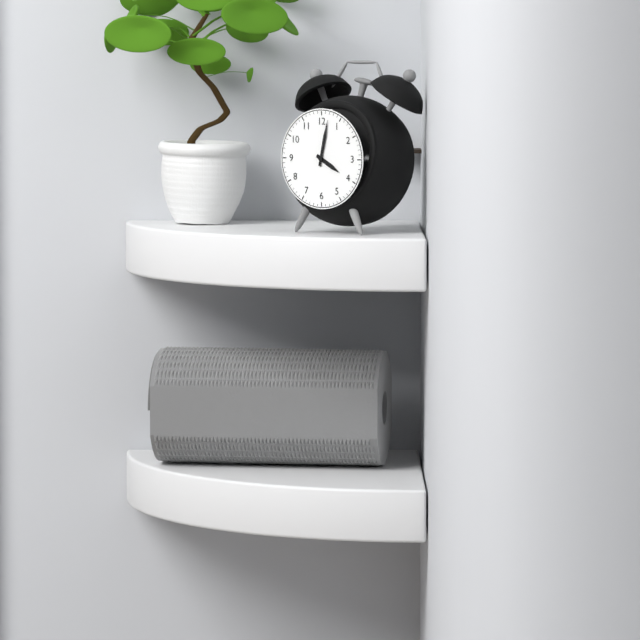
4h02
